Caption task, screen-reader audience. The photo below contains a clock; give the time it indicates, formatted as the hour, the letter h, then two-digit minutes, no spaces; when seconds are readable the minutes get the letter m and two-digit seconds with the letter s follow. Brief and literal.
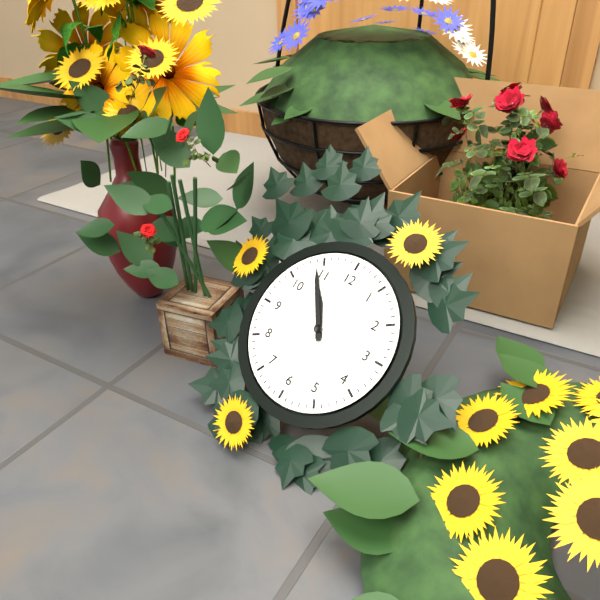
10h54
